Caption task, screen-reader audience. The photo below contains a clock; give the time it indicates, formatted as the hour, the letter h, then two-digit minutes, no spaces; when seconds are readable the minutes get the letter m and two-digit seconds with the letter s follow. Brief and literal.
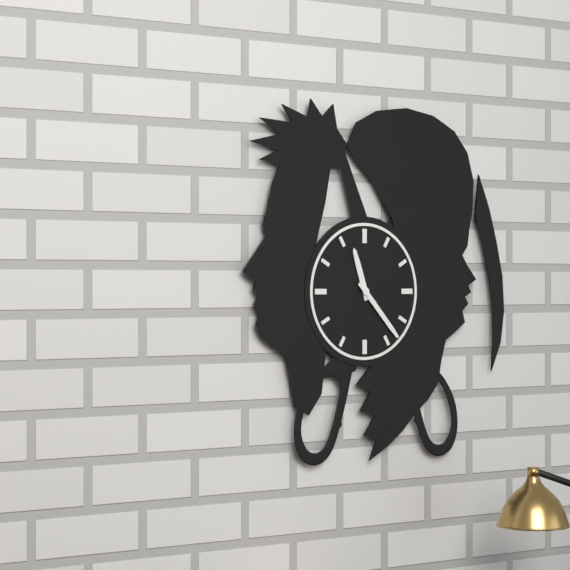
11h23
